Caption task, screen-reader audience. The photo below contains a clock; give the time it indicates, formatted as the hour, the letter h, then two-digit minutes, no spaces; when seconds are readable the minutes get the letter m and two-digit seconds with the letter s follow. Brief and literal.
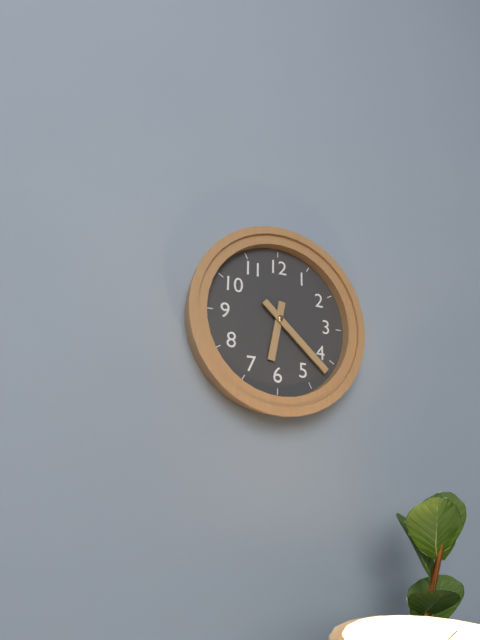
6h22
